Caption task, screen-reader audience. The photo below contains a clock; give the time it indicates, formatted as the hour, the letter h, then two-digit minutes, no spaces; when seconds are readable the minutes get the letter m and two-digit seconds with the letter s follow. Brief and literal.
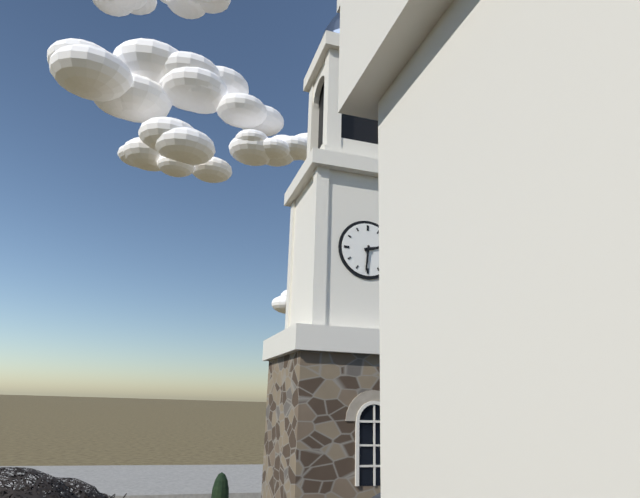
2h31
